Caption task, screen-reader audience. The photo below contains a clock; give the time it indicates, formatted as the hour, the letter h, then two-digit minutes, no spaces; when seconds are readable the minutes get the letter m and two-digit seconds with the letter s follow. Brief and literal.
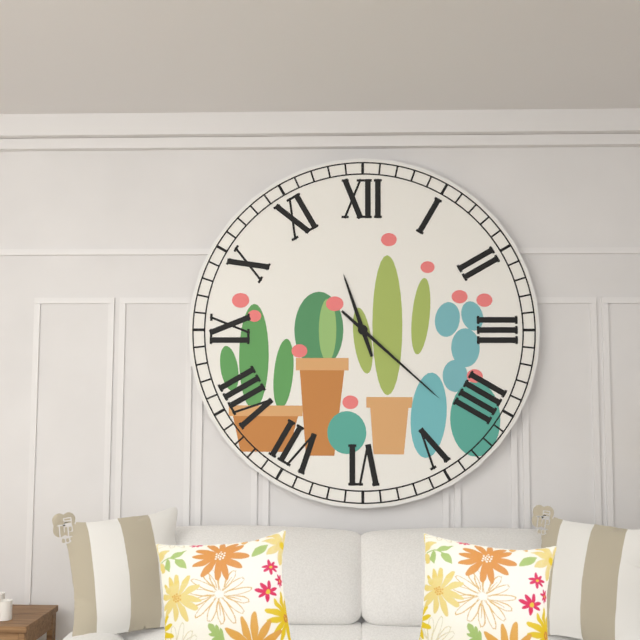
11h22
